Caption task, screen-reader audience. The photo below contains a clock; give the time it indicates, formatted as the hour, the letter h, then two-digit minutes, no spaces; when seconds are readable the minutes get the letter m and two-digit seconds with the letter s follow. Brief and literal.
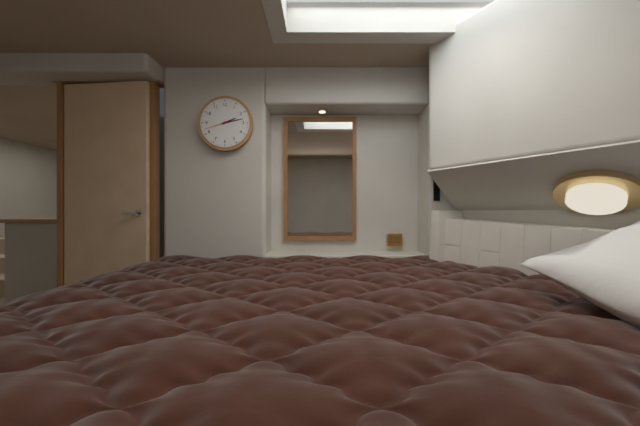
2h13
